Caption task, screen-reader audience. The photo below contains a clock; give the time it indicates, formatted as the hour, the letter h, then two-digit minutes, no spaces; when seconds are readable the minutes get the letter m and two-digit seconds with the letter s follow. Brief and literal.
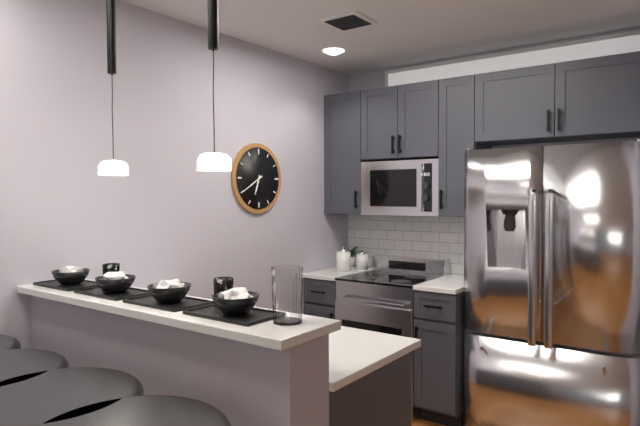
6h40
